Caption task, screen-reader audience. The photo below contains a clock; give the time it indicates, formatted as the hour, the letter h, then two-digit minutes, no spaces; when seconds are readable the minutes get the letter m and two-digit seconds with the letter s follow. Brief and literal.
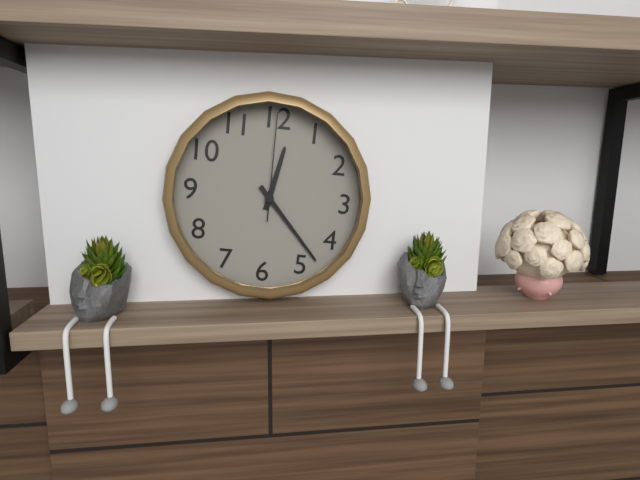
12h23m00s
